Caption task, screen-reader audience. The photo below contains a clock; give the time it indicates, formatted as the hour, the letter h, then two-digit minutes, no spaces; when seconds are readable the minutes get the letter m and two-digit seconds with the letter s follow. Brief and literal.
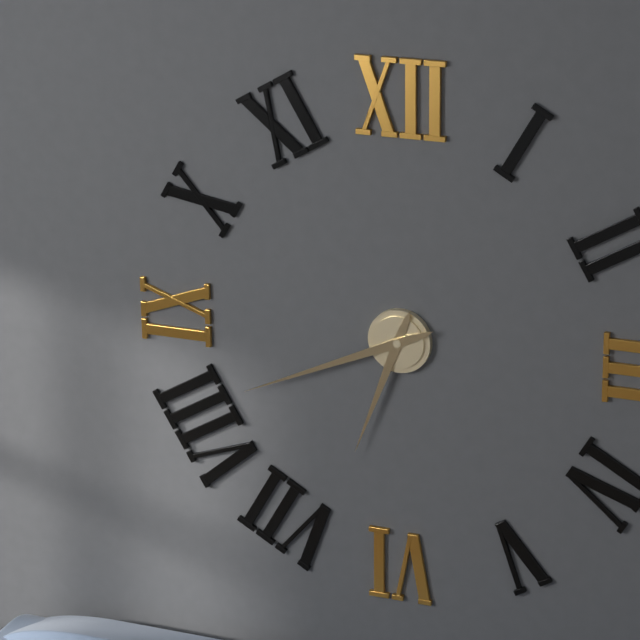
6h41
